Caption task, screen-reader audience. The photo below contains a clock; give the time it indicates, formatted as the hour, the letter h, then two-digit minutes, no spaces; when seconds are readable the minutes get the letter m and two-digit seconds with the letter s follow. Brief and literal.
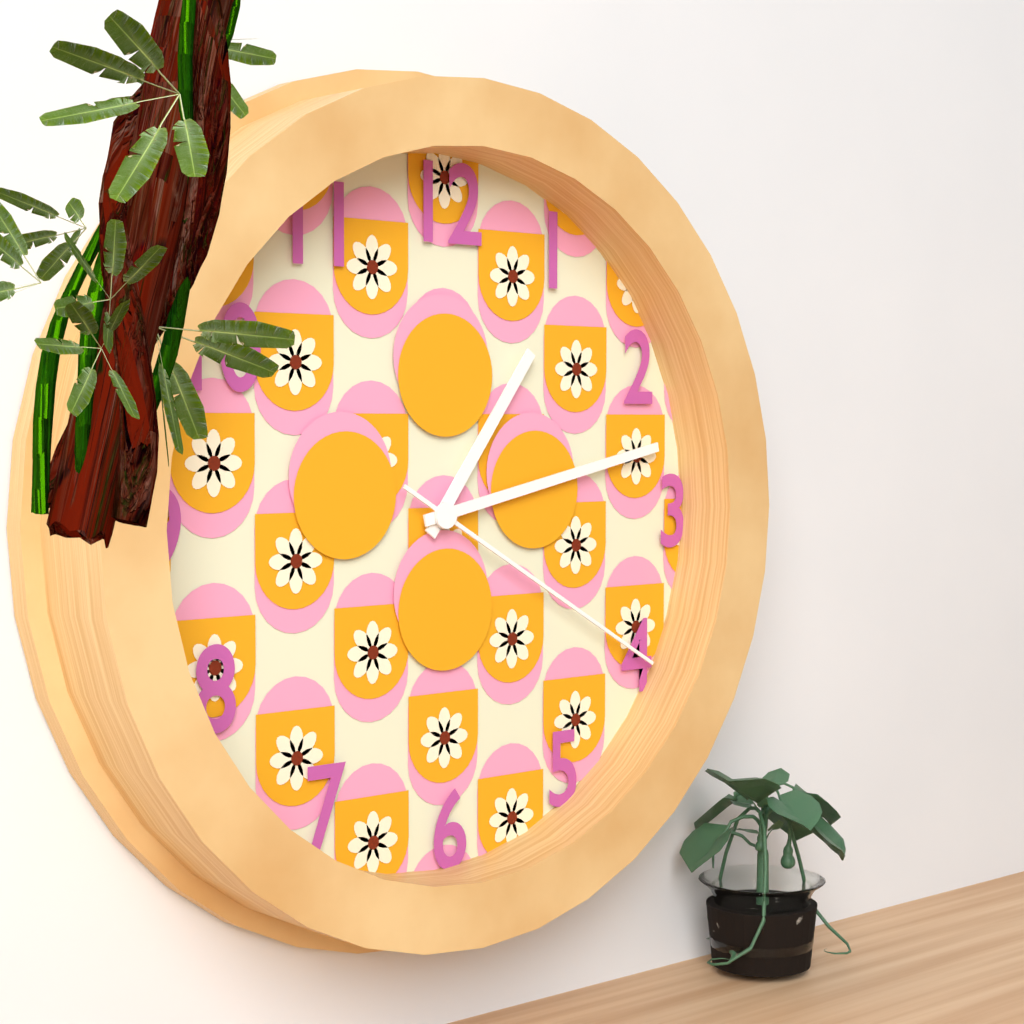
1h13m20s
